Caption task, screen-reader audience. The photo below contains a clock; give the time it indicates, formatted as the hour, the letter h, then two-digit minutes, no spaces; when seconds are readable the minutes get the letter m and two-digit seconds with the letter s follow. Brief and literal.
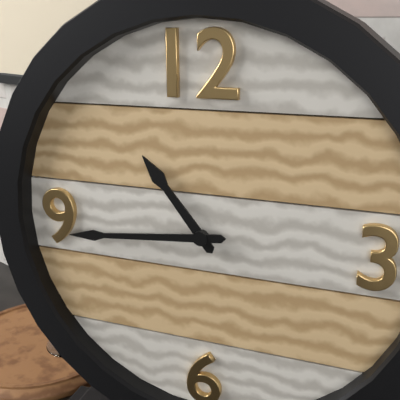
10h44
